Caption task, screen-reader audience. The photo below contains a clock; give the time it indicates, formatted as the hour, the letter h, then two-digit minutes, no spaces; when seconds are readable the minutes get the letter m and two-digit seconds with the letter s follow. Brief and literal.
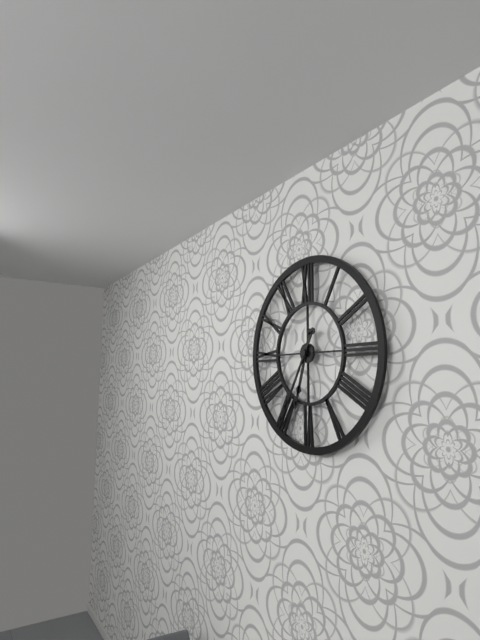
6h35
